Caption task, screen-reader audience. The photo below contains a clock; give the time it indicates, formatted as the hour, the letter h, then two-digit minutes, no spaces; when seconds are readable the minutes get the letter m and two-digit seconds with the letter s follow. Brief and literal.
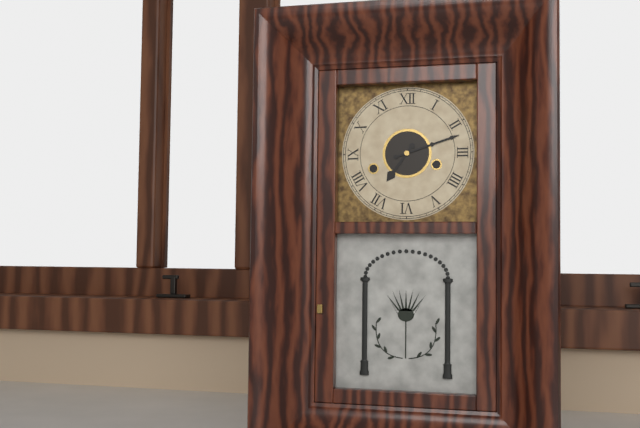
7h12
